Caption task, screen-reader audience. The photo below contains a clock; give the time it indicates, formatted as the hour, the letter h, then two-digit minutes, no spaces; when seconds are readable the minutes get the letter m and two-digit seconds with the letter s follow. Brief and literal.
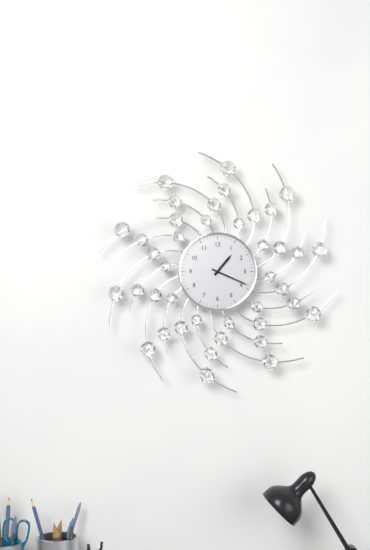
1h19
